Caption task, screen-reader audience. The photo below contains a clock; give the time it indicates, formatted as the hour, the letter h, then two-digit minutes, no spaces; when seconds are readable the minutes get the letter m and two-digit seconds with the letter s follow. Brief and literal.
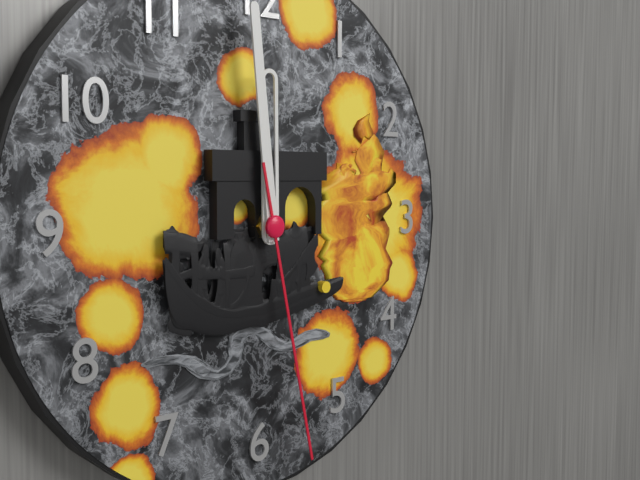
11h59m28s
